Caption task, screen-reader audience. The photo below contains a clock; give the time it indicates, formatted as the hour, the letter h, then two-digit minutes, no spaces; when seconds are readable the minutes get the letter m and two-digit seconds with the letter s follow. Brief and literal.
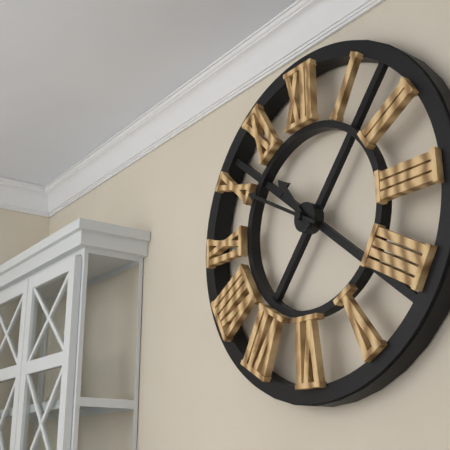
10h50
